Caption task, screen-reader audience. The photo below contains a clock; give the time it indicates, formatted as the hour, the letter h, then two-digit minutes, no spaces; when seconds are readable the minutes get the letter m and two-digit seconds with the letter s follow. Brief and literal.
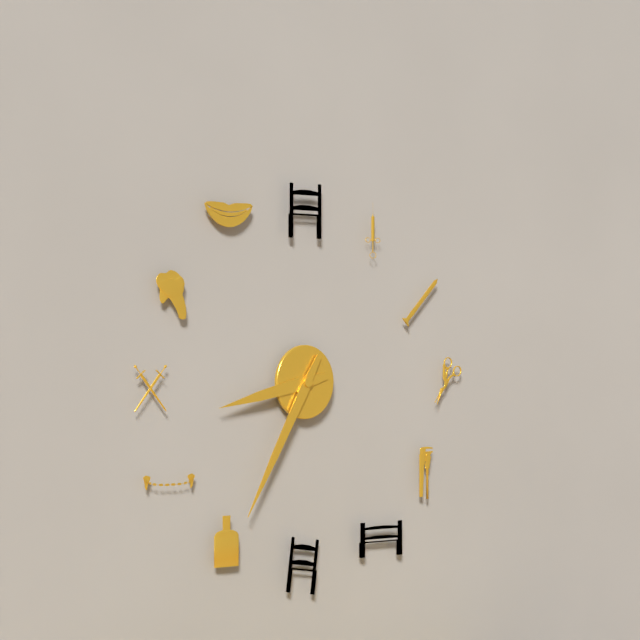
8h35
